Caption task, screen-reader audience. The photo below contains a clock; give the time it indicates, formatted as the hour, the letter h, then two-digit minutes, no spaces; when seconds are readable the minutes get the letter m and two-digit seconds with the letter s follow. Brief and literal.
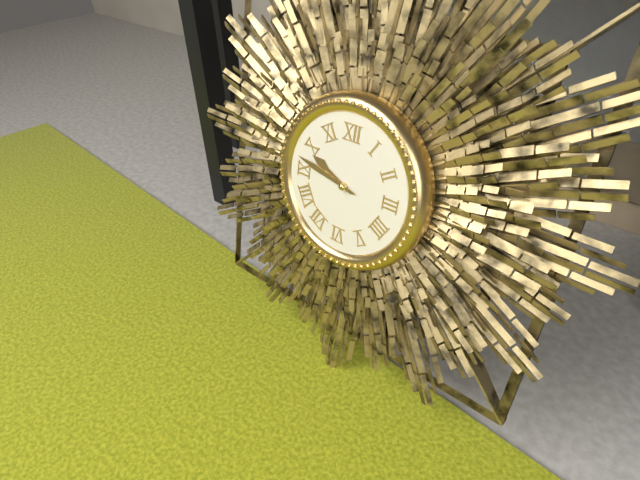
9h47
